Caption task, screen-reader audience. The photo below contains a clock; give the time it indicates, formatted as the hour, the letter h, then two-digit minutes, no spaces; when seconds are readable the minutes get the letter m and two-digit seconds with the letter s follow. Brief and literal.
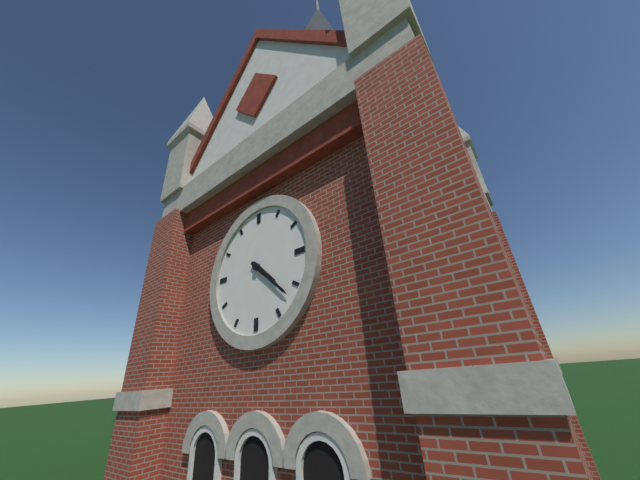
4h22
